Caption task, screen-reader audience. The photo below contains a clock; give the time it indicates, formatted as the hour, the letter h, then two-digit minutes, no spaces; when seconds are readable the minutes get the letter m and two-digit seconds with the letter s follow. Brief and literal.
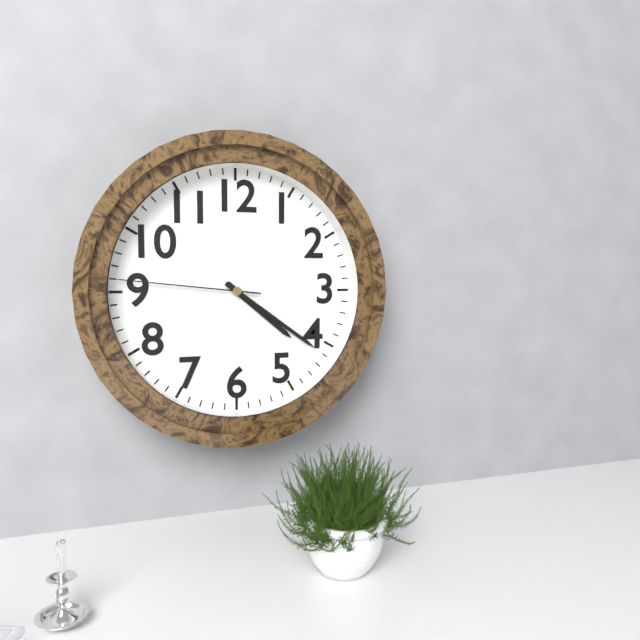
4h21m46s
